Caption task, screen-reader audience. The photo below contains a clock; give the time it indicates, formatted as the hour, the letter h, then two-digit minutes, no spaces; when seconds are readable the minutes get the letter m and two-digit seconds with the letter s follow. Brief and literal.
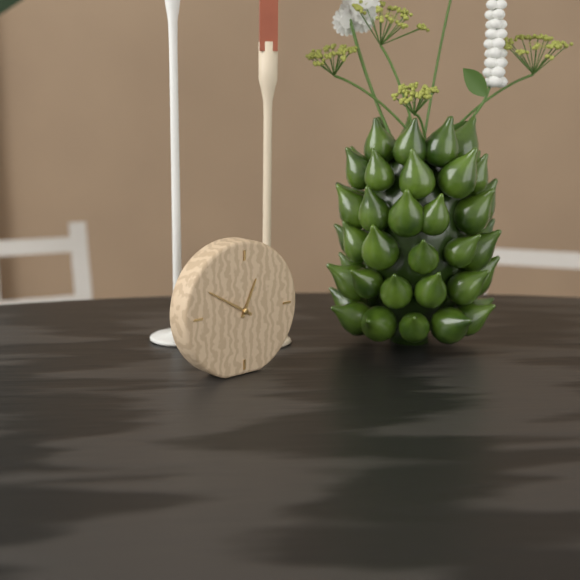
12h50
